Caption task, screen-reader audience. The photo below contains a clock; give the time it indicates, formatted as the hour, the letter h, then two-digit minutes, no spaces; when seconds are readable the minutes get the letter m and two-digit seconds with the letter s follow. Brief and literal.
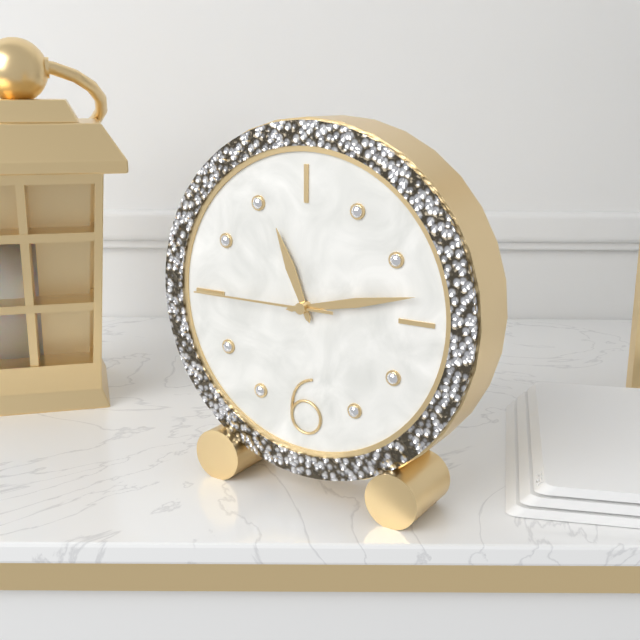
11h13m45s
